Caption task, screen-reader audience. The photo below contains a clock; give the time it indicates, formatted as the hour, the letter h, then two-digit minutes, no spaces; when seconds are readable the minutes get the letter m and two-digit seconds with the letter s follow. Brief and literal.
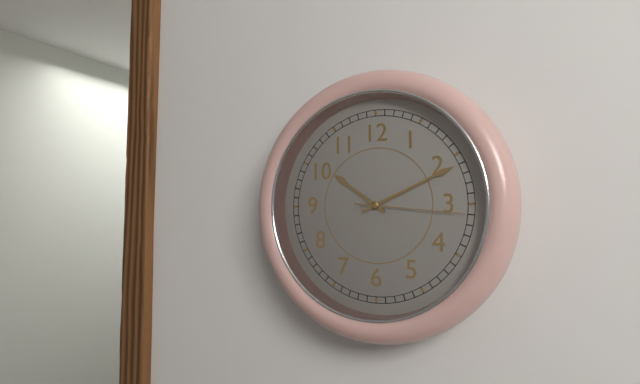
10h11m16s
